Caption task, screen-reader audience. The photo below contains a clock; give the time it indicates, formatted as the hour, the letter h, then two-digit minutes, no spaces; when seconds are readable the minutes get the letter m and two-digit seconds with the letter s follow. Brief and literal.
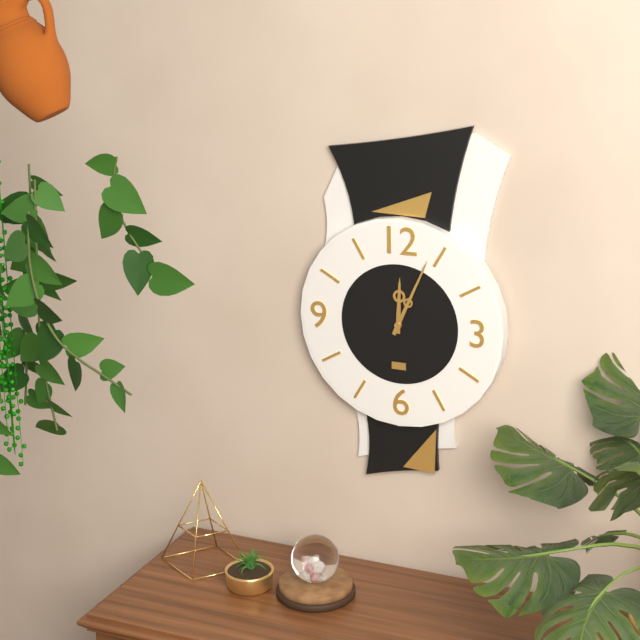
12h04
